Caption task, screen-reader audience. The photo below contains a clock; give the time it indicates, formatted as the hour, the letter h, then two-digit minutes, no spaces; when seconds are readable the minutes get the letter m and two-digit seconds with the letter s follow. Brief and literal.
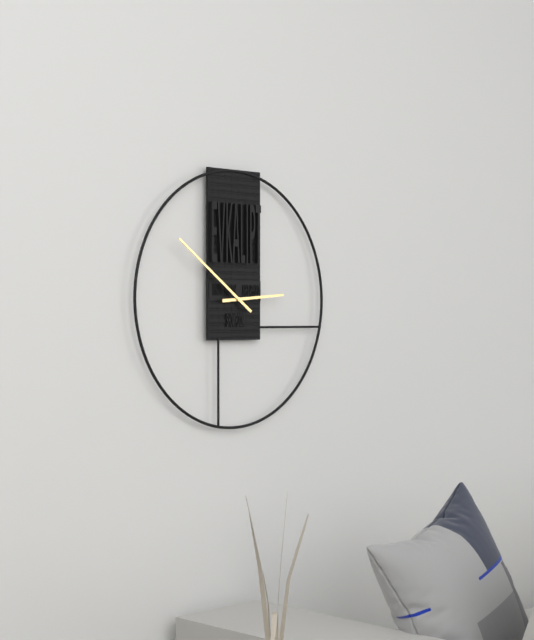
2h51
